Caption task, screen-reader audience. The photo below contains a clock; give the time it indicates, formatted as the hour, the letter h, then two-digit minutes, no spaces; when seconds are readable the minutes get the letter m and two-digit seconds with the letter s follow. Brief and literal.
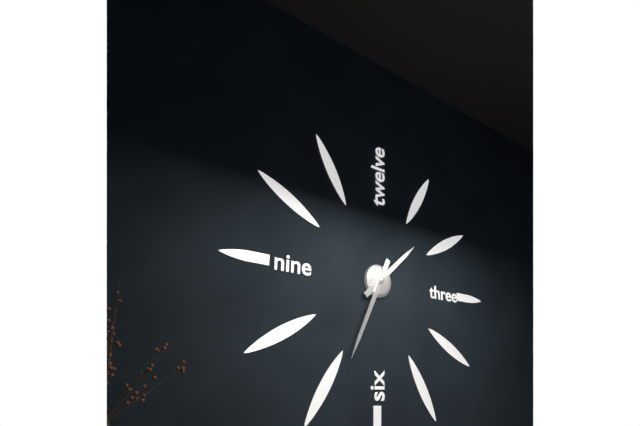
1h34
